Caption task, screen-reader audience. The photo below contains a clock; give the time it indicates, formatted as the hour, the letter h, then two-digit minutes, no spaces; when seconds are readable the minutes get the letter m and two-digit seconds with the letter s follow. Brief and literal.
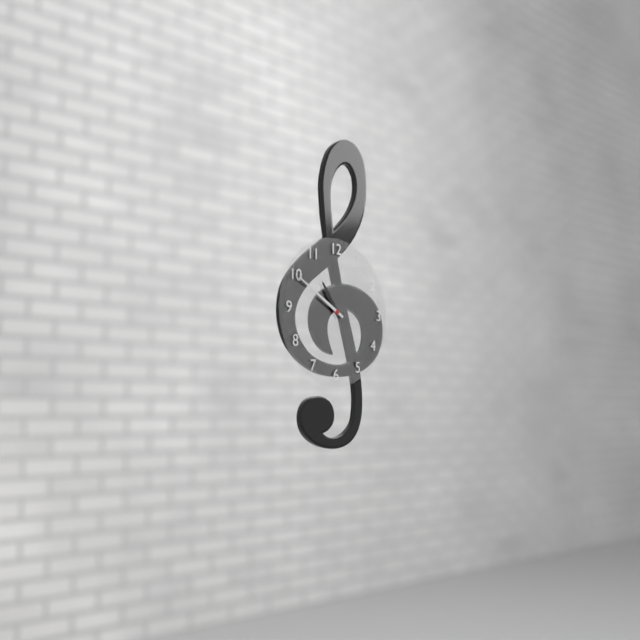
10h50
